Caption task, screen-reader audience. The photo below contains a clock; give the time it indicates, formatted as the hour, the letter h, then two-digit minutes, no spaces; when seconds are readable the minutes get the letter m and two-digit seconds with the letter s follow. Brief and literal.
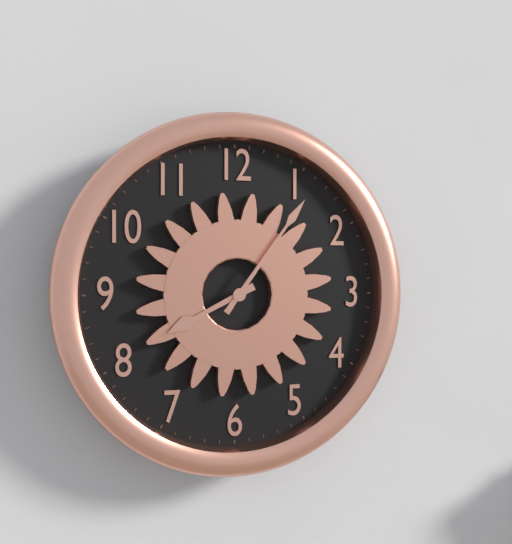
8h06
